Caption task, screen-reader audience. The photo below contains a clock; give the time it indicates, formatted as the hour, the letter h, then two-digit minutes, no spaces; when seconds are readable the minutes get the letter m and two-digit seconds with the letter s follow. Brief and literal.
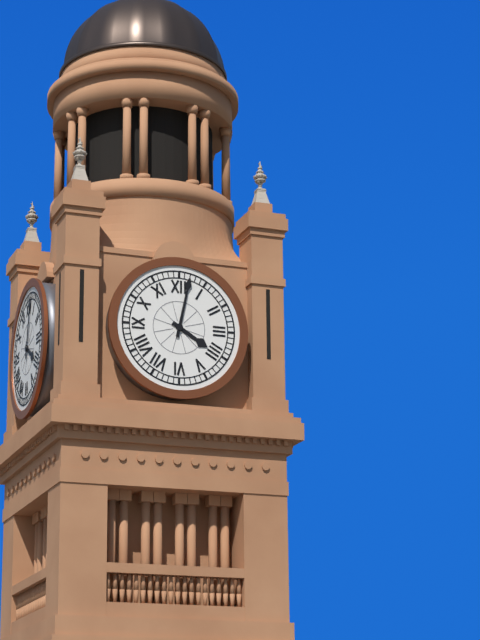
4h02
